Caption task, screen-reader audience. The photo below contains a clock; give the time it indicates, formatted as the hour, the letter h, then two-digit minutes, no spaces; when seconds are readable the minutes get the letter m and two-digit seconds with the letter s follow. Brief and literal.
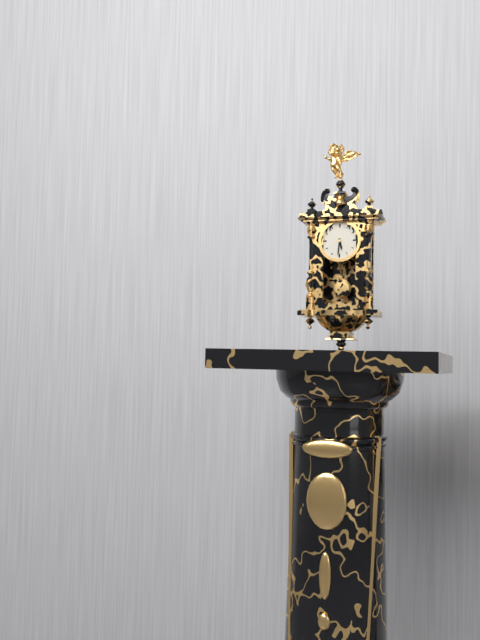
5h31
